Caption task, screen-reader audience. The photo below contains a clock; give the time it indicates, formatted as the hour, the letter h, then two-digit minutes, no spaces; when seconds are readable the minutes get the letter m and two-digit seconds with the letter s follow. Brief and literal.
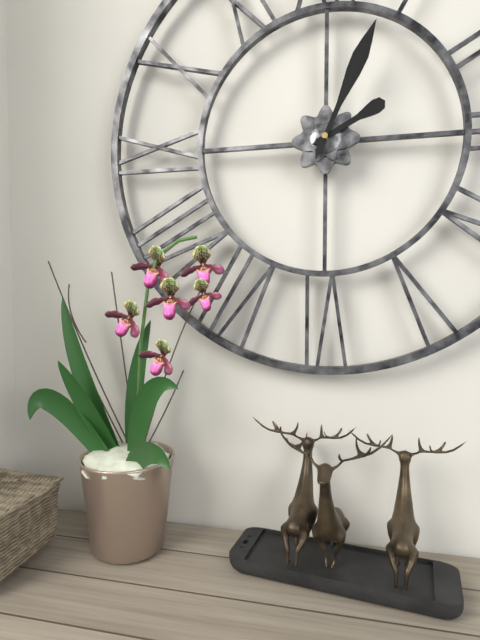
2h04
